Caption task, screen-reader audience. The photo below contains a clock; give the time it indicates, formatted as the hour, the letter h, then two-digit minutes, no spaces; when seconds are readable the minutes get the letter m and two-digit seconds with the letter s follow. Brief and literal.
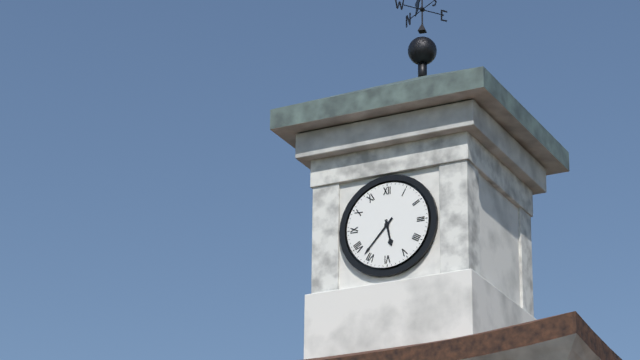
5h37
